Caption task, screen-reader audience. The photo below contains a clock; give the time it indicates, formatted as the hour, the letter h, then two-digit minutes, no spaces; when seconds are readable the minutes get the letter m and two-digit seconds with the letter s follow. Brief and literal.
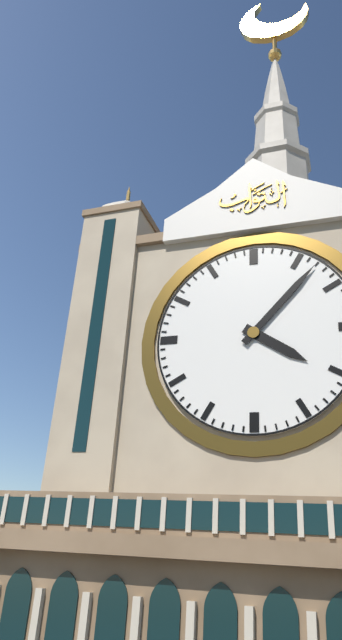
4h07
